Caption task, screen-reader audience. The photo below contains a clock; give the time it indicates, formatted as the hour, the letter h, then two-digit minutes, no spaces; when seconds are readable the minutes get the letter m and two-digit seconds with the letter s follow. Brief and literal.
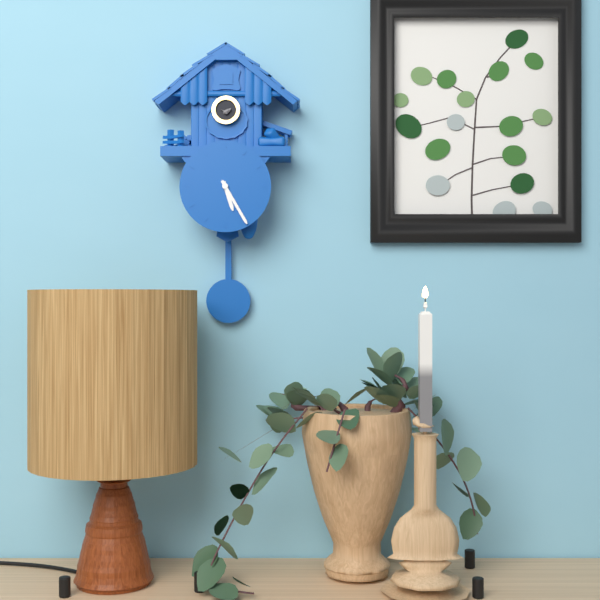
5h25
